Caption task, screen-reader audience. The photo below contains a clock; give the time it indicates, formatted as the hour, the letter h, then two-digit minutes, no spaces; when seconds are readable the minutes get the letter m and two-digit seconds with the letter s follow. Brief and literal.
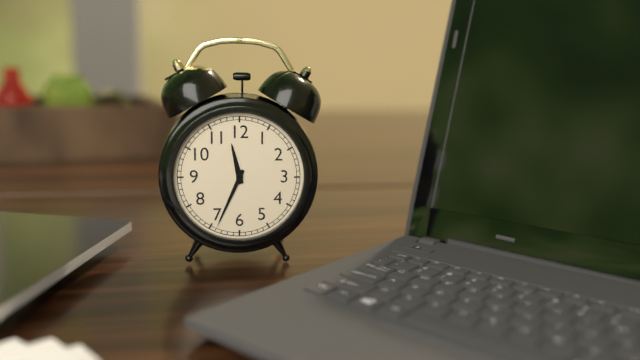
11h34
